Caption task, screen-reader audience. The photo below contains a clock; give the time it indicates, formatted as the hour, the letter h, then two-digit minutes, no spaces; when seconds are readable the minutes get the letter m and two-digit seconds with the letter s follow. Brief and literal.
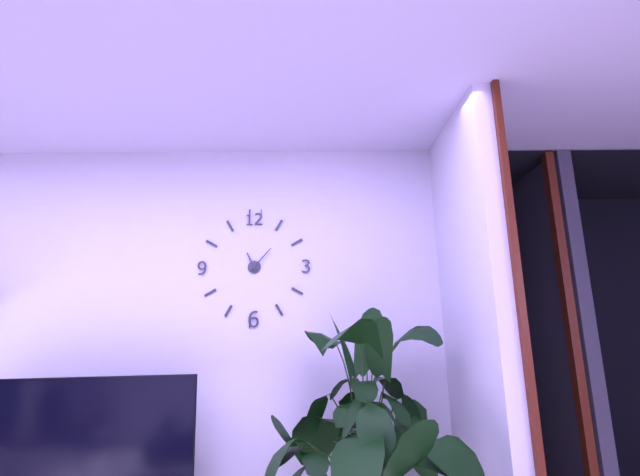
11h07
